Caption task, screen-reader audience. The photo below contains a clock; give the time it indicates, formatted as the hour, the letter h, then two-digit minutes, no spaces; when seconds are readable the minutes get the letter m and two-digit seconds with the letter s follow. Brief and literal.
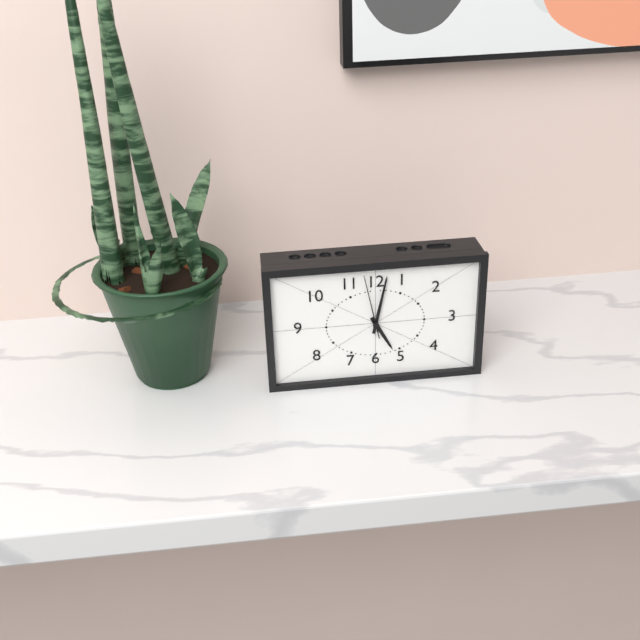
5h02m58s
